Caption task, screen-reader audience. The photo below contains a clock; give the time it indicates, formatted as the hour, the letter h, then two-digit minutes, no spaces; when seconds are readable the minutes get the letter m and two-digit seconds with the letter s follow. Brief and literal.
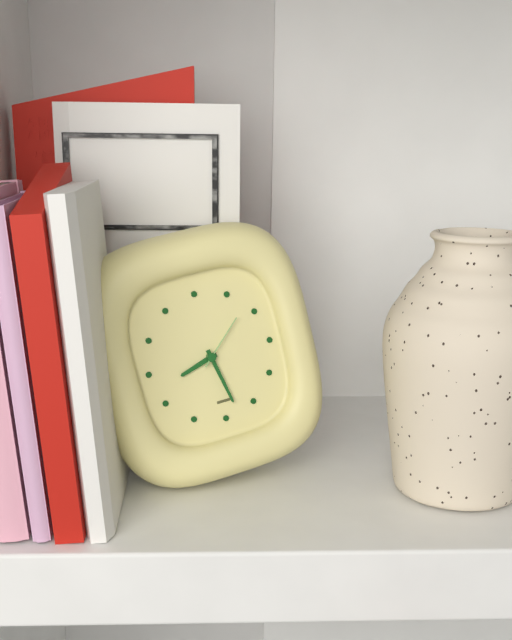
8h28m08s
